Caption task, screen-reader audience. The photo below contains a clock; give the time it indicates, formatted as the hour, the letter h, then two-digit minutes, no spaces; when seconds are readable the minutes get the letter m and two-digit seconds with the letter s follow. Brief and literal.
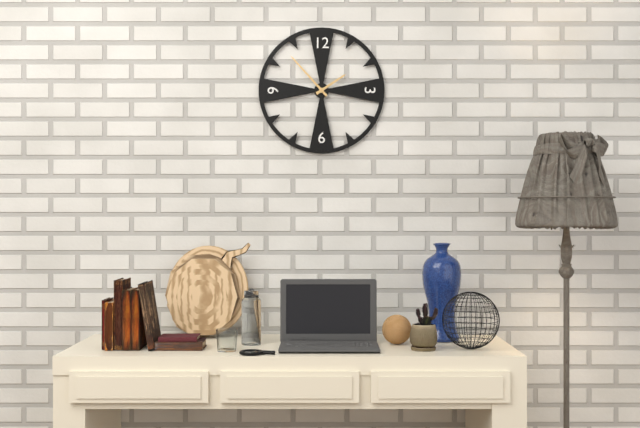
1h53
